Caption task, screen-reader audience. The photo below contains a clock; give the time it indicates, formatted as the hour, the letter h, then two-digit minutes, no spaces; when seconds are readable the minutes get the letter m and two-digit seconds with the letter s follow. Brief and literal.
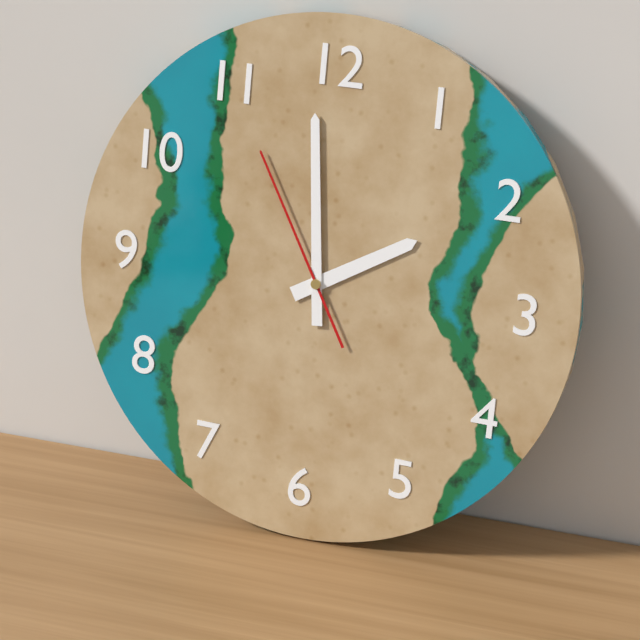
1h59m55s
